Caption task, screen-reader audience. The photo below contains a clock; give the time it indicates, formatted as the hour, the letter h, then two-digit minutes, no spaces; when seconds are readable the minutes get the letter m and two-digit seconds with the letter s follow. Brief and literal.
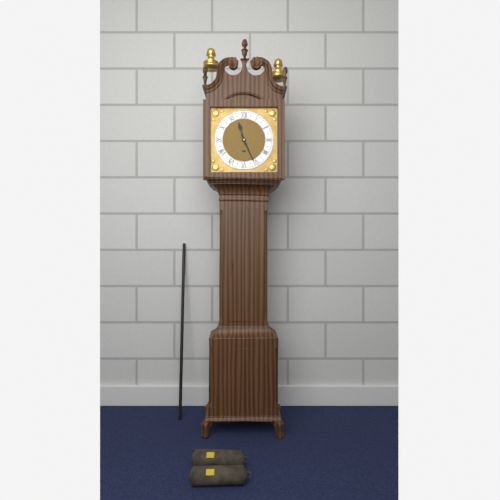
11h26
